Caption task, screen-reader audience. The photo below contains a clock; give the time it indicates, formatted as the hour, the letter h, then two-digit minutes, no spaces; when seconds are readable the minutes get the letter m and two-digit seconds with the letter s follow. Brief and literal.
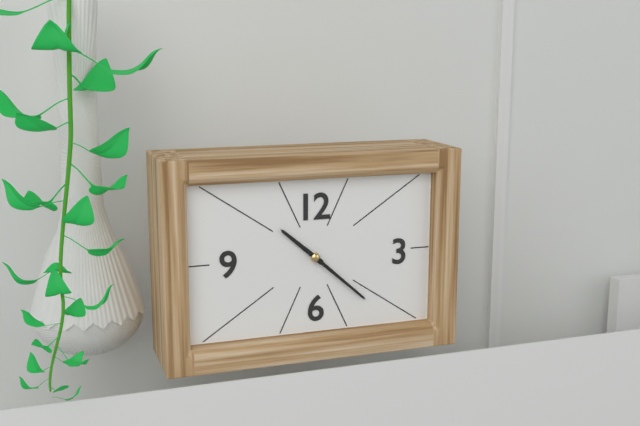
10h22
